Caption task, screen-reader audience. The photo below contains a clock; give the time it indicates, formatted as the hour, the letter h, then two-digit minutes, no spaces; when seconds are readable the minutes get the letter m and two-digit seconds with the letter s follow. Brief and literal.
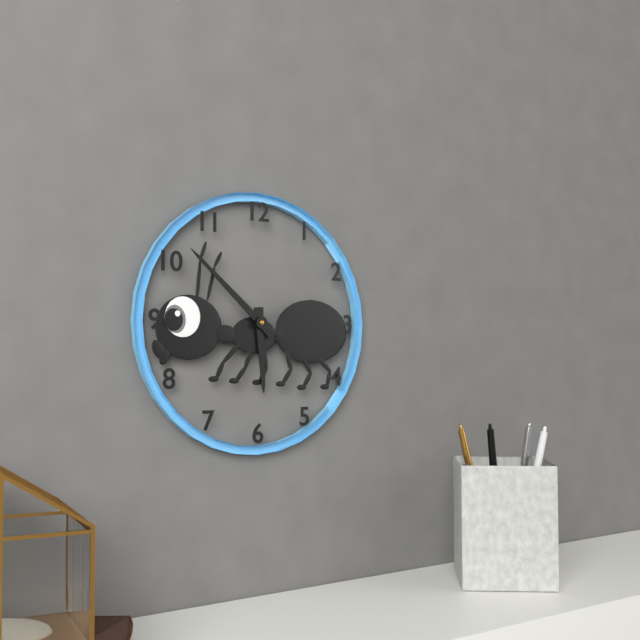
5h52
